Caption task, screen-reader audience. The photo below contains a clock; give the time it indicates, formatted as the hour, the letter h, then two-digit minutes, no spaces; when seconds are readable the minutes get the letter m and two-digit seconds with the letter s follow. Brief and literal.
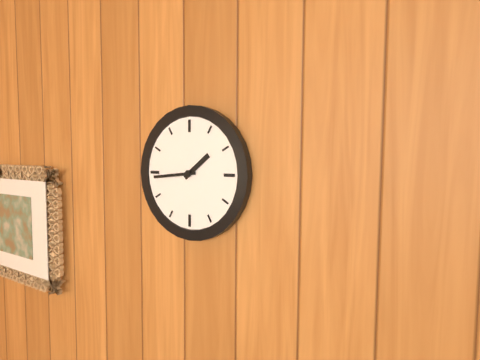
1h44
